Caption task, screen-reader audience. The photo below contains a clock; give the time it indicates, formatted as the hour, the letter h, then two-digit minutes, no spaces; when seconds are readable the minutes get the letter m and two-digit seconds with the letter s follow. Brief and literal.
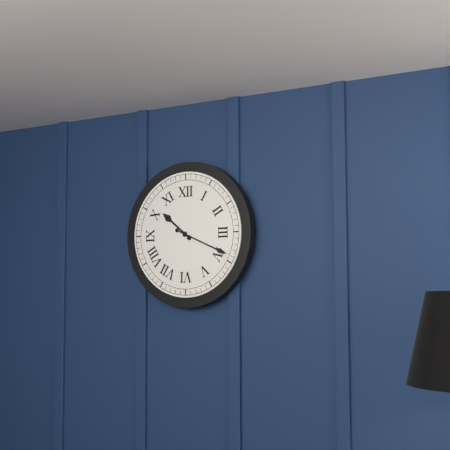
10h19
